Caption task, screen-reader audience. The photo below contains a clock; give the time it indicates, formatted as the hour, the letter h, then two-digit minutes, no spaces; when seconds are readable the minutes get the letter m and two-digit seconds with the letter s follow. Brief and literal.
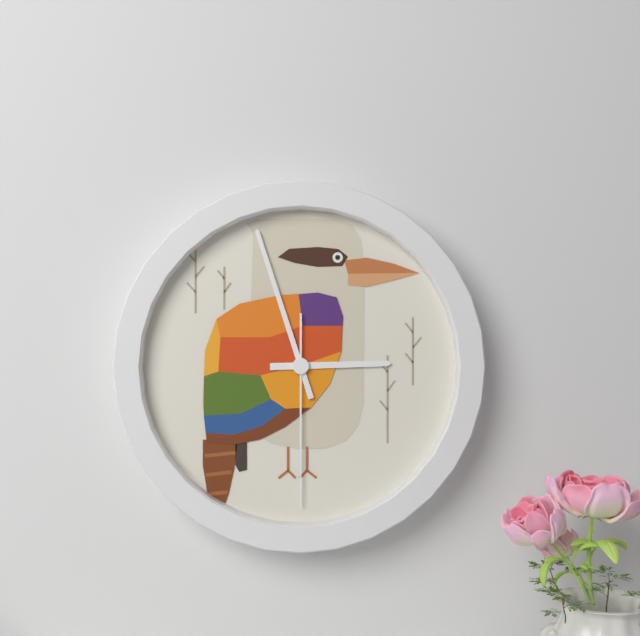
2h57m30s
